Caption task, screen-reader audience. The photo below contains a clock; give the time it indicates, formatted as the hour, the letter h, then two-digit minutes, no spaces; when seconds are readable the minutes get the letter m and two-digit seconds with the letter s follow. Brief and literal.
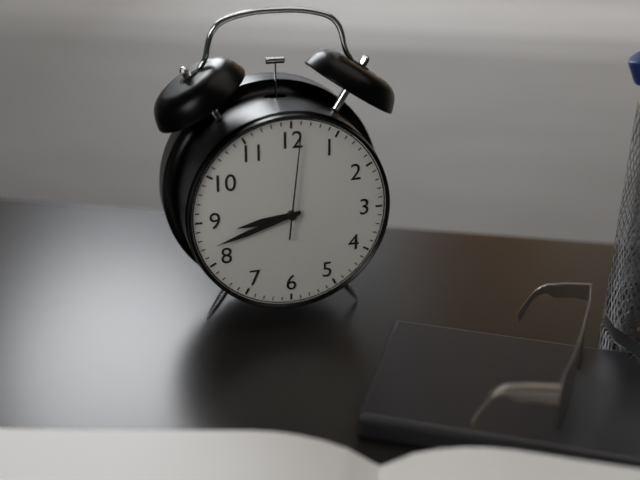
8h42m01s
